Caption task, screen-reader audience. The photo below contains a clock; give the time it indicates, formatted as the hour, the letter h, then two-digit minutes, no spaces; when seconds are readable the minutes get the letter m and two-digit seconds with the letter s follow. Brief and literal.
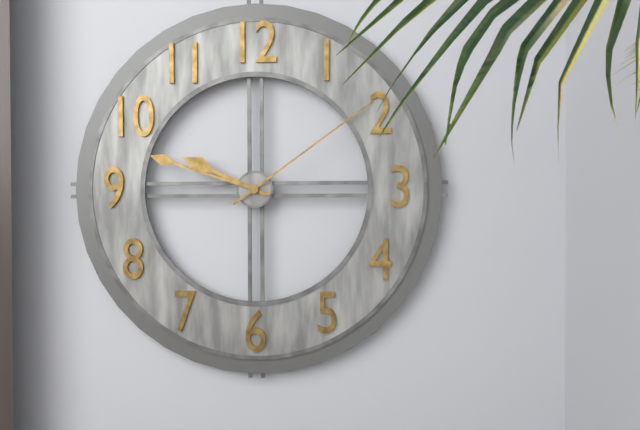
9h48m09s
